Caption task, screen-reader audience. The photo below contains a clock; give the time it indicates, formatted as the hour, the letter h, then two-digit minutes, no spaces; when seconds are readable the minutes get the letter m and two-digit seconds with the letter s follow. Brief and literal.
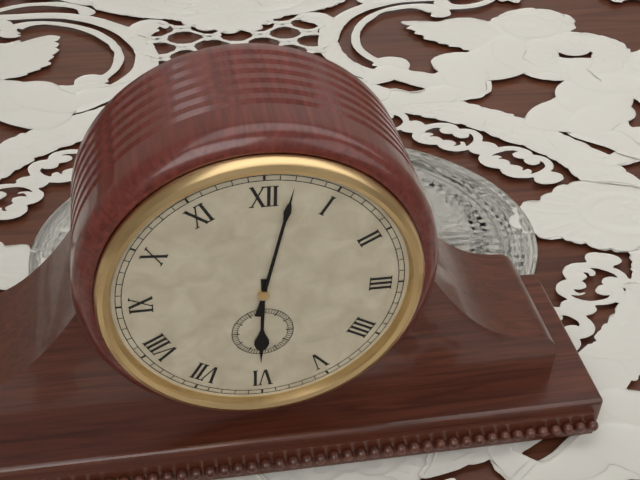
6h02m29s
